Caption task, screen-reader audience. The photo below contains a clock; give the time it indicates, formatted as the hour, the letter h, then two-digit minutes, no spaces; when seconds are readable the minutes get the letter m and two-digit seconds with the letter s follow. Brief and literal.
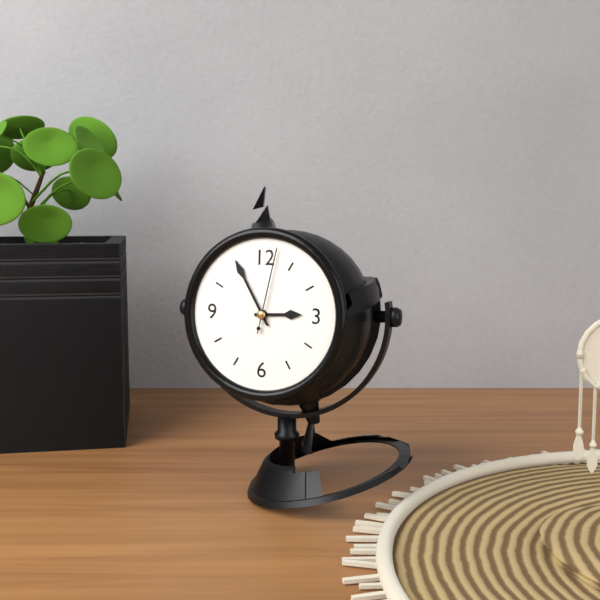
2h55m02s
